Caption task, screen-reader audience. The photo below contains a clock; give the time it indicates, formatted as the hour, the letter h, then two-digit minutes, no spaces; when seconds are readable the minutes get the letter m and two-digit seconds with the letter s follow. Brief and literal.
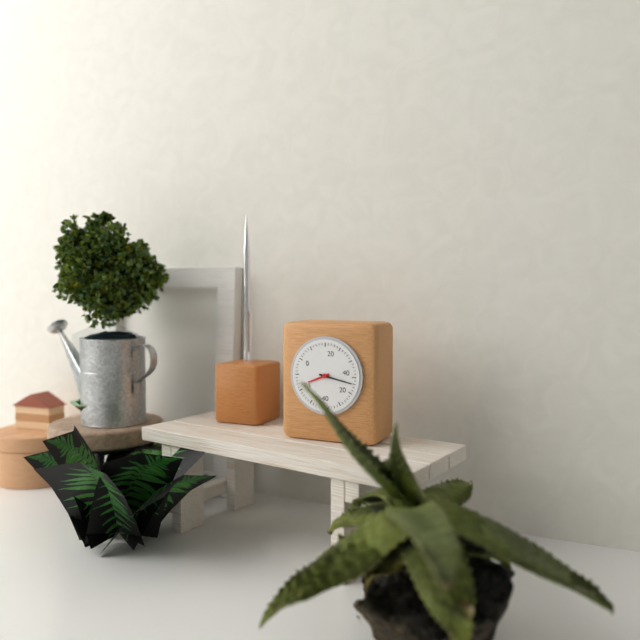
8h17
